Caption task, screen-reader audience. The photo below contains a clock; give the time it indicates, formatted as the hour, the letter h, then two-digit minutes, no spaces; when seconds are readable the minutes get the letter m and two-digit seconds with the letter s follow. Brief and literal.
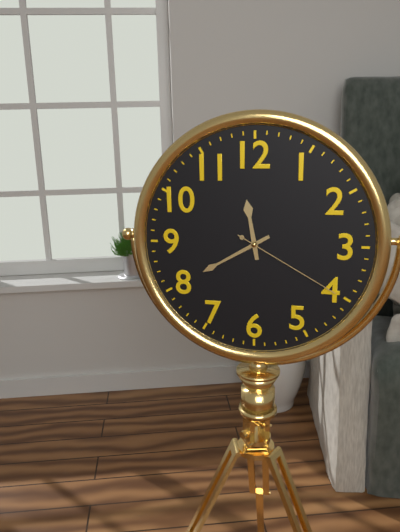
11h40m20s
